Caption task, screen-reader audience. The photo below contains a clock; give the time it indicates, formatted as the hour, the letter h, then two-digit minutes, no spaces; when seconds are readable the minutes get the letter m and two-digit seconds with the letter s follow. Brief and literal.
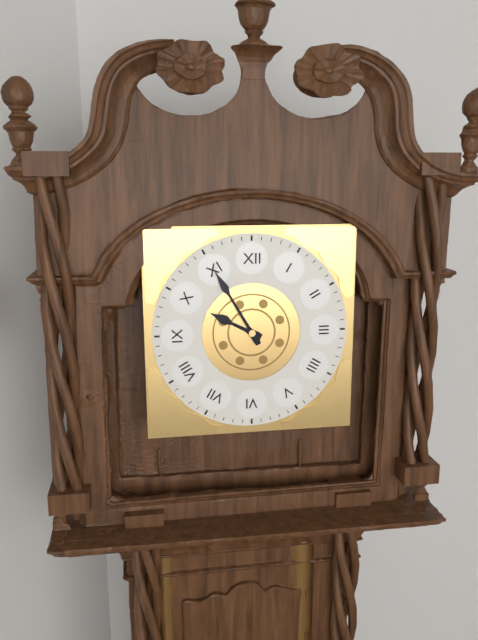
9h55
